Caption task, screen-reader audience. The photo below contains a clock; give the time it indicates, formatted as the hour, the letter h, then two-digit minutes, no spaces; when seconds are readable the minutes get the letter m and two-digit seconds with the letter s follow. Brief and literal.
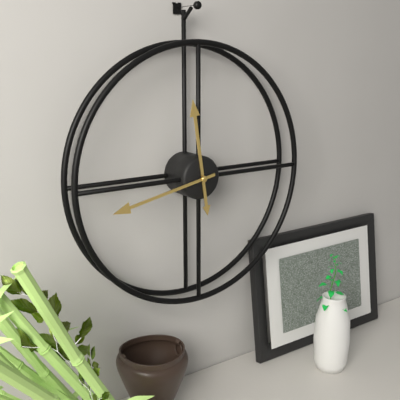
11h43
